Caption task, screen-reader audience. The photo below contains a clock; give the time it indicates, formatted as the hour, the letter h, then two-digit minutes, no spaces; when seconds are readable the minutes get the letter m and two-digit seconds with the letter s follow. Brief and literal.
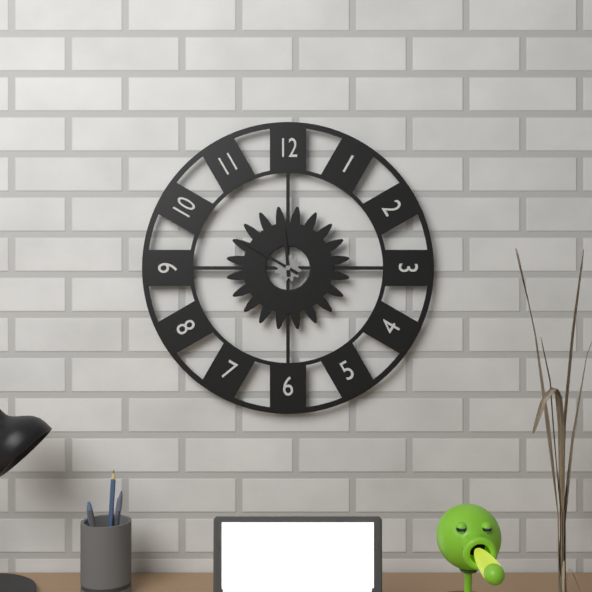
11h50
